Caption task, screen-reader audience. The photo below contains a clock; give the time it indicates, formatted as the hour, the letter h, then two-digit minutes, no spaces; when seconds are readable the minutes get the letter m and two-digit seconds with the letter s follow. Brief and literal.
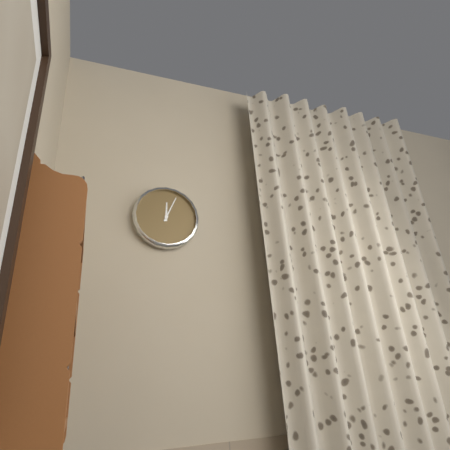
12h04
